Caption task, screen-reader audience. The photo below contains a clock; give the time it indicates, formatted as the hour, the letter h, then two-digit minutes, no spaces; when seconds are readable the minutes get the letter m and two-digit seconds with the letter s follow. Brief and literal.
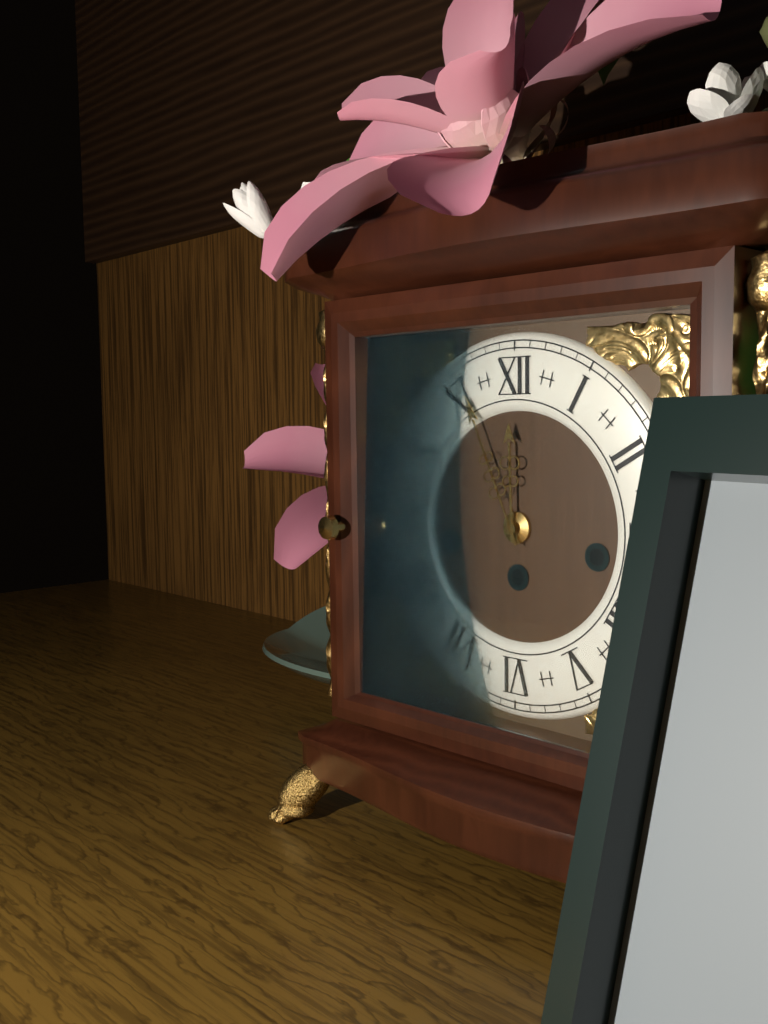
11h56
